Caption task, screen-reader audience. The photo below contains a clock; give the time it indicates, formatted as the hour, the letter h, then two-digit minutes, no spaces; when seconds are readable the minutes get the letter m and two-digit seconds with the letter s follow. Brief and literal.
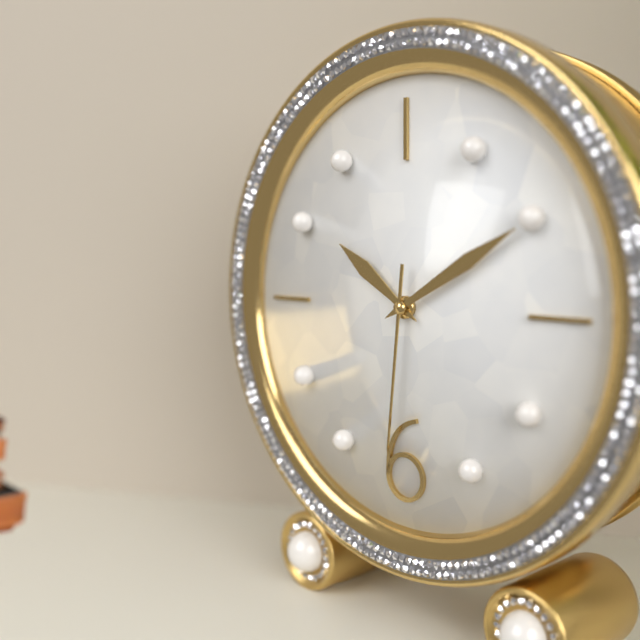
10h10m31s
